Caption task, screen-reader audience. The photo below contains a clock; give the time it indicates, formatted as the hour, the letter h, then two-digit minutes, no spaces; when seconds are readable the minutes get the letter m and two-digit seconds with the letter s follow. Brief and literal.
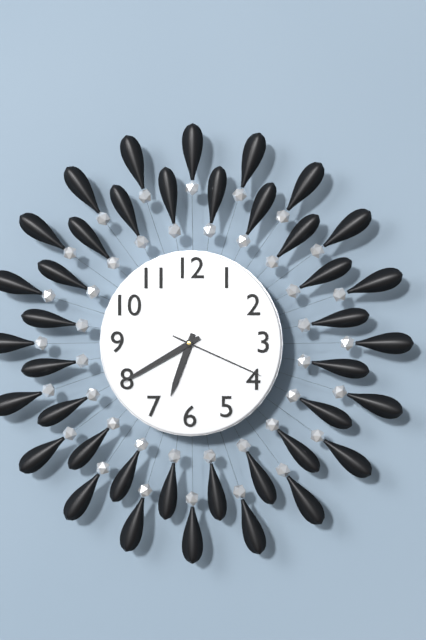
6h40m19s
